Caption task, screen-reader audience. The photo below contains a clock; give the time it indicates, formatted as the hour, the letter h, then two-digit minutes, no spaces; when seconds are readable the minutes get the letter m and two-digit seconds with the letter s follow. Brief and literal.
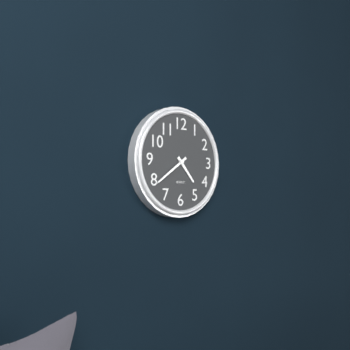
4h39
